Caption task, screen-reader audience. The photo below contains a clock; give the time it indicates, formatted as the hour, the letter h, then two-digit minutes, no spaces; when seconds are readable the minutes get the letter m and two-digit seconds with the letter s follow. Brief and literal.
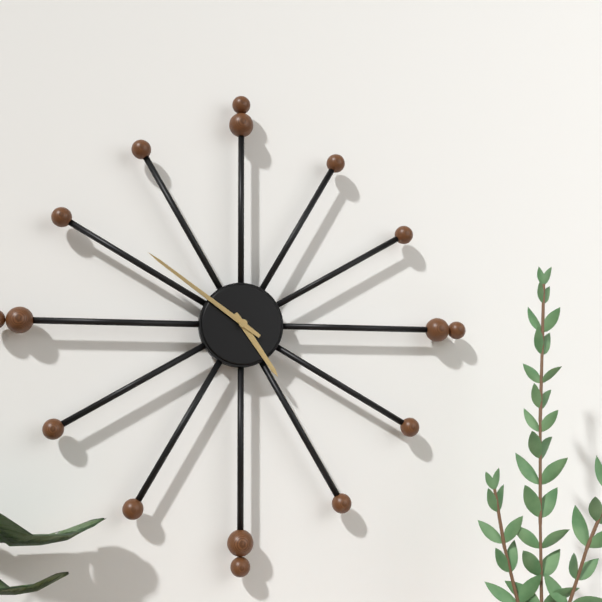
4h51
